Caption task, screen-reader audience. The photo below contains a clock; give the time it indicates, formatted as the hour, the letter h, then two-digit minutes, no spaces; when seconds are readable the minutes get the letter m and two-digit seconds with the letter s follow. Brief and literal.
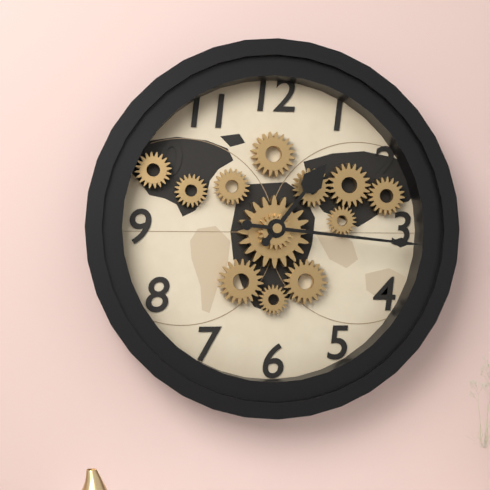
1h16
